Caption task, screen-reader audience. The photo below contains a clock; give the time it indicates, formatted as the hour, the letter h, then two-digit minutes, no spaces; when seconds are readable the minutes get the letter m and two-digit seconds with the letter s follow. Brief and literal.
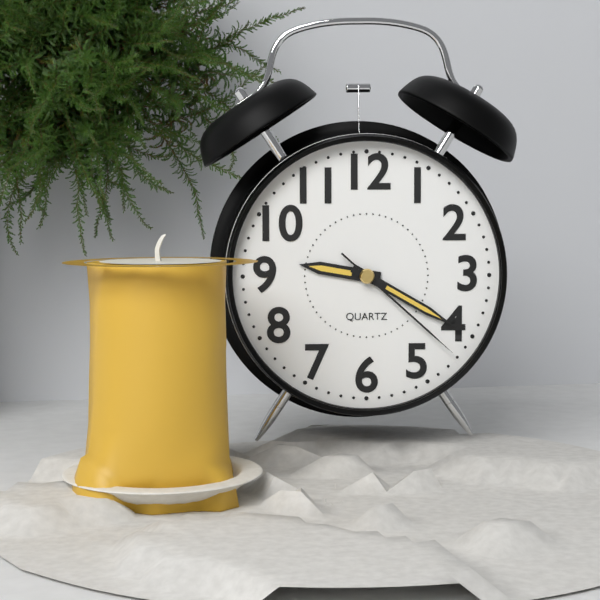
9h20m22s
